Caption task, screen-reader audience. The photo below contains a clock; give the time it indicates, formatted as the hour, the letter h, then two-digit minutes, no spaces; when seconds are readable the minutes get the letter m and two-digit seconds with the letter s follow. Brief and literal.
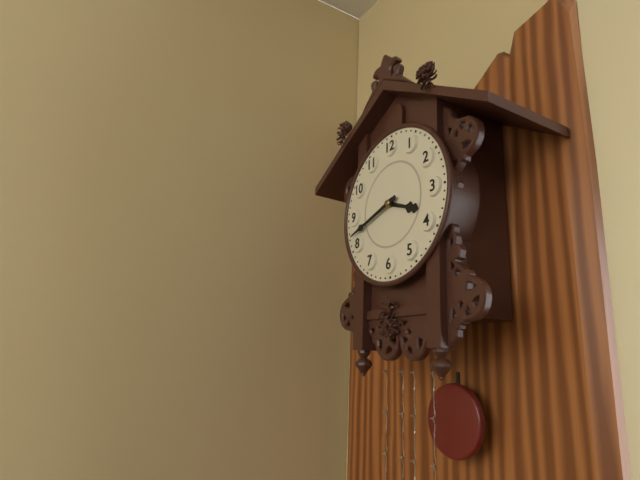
3h42
